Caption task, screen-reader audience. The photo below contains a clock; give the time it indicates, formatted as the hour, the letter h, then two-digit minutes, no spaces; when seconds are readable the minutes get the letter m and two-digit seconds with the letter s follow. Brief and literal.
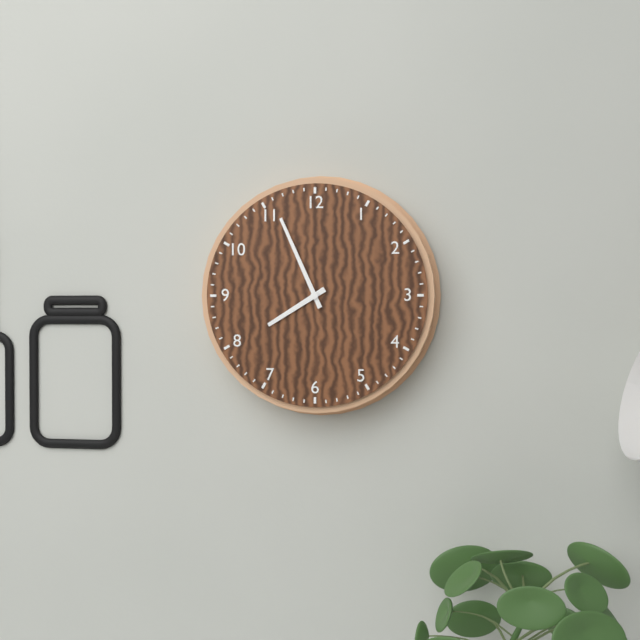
7h56
